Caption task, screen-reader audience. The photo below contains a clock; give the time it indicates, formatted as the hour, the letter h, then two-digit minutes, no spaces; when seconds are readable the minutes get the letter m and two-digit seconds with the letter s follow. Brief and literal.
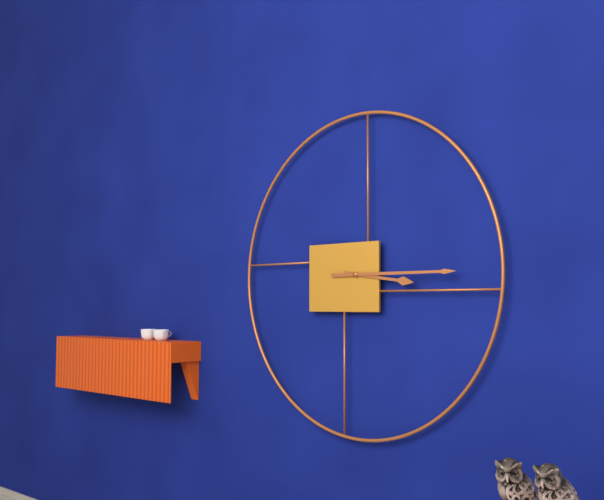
3h15
